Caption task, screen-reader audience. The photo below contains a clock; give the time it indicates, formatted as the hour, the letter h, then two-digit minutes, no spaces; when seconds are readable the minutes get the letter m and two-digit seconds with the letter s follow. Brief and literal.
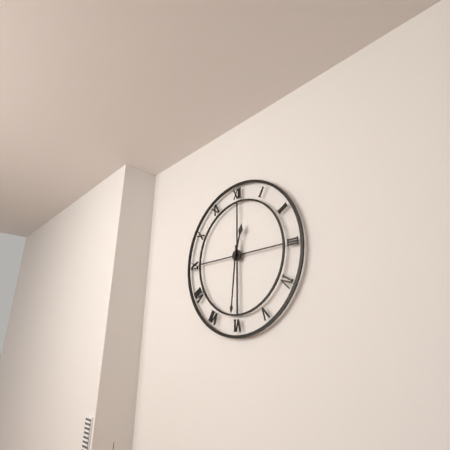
12h31
